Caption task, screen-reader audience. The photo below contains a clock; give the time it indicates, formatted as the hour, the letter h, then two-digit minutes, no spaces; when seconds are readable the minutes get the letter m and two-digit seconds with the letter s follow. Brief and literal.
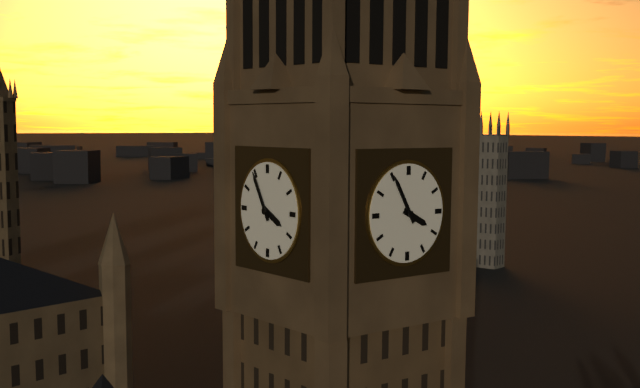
3h55
